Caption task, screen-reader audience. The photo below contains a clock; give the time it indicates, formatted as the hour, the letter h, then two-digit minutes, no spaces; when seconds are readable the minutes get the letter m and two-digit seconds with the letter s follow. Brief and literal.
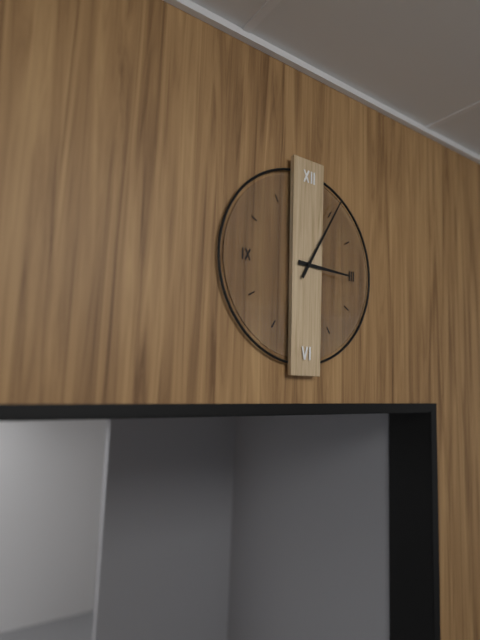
3h05
